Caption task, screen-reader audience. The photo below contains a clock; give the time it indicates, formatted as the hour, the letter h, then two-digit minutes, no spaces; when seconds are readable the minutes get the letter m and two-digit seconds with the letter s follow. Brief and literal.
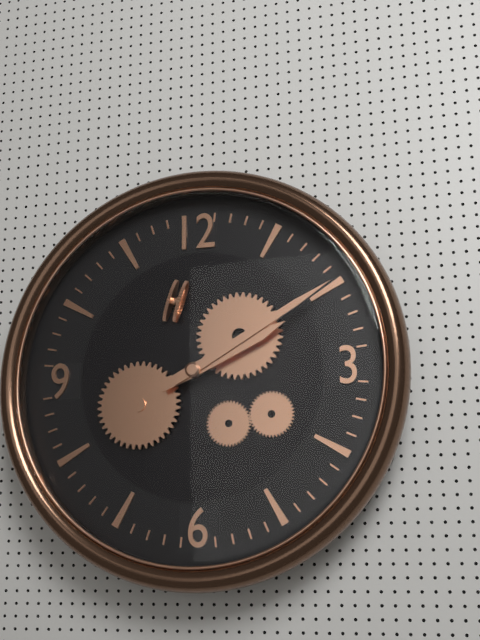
2h10
